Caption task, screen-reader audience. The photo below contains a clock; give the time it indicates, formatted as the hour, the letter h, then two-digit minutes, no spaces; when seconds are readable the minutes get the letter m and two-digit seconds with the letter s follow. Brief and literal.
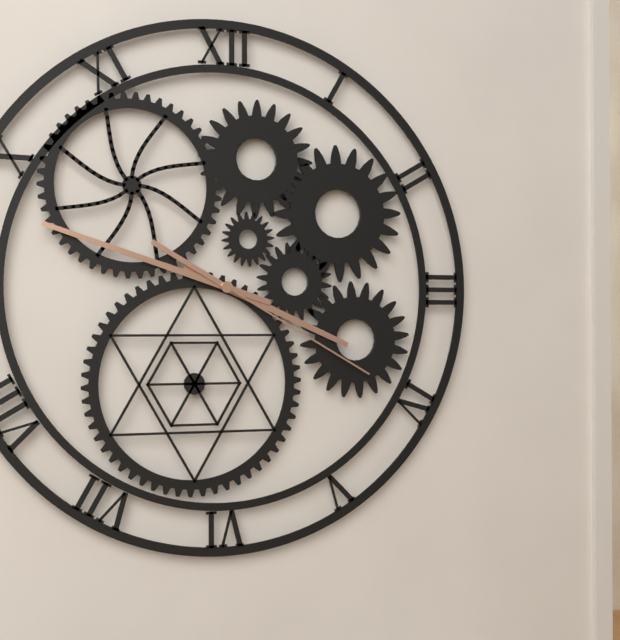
3h48m20s
